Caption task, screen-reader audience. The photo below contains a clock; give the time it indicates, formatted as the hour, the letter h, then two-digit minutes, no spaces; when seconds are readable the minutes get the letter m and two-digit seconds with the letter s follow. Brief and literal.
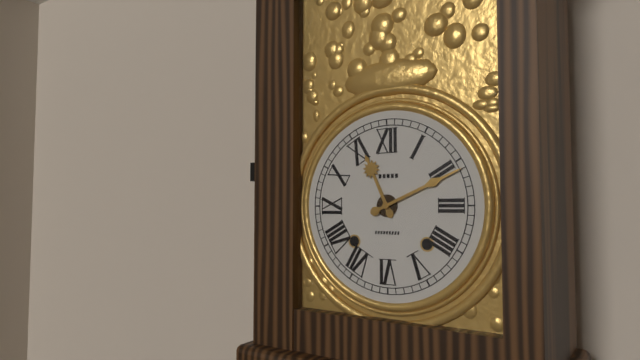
11h11
